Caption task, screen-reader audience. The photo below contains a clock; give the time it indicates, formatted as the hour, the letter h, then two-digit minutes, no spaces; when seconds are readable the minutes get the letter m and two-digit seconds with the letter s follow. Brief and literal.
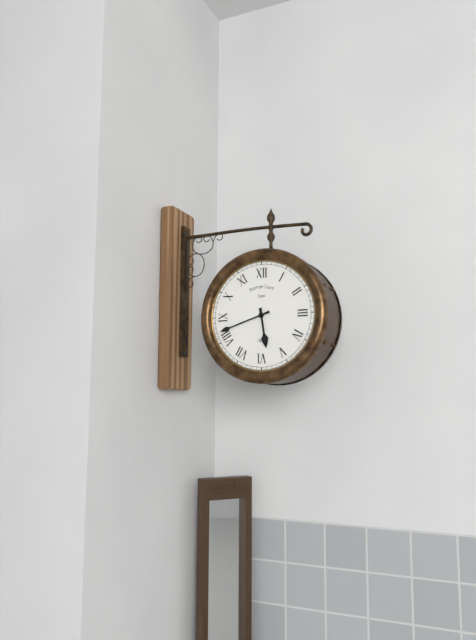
5h42
